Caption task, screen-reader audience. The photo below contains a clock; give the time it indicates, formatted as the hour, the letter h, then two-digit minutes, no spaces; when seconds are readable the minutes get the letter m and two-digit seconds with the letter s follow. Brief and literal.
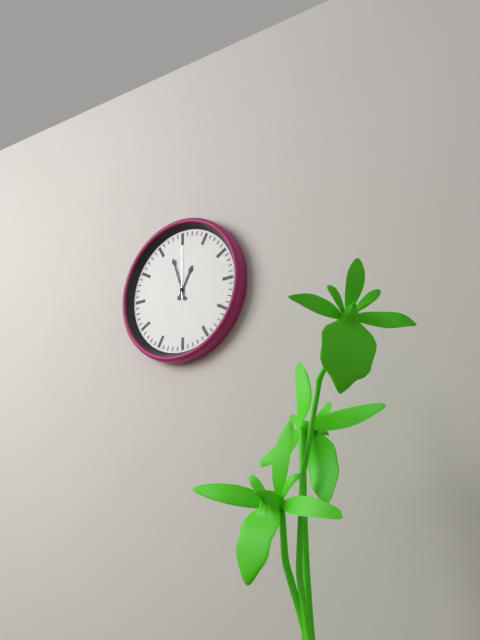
12h57m00s
